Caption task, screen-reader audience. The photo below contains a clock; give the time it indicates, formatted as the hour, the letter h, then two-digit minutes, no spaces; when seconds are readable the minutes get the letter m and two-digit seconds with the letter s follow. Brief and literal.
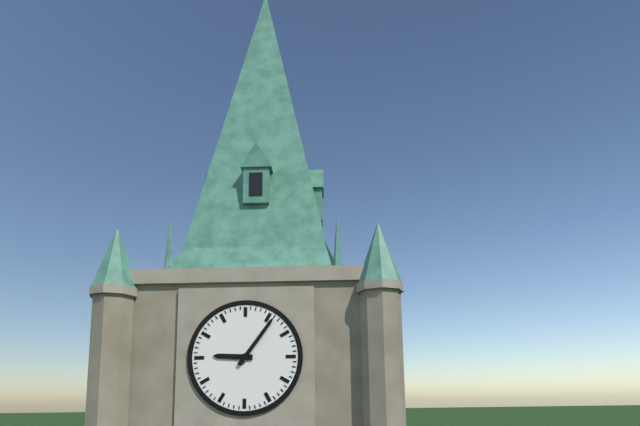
9h06
